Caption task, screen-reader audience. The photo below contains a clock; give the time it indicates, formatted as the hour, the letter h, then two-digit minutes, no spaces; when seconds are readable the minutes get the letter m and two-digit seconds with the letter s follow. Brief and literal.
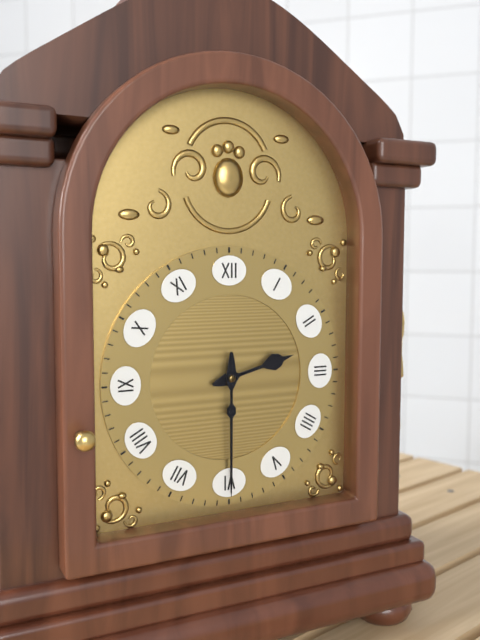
2h30
